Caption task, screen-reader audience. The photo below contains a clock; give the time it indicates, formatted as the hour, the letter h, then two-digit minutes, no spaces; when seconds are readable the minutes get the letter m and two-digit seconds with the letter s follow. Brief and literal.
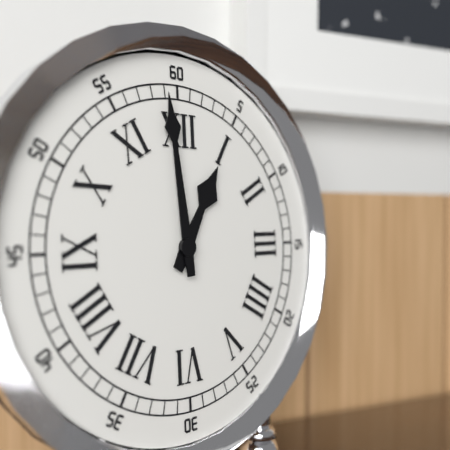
12h59
